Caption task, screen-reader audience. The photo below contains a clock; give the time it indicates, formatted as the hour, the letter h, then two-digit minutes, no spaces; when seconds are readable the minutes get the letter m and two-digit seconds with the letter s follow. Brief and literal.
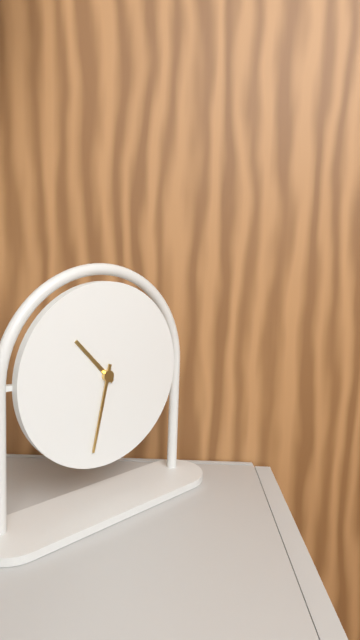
10h32
